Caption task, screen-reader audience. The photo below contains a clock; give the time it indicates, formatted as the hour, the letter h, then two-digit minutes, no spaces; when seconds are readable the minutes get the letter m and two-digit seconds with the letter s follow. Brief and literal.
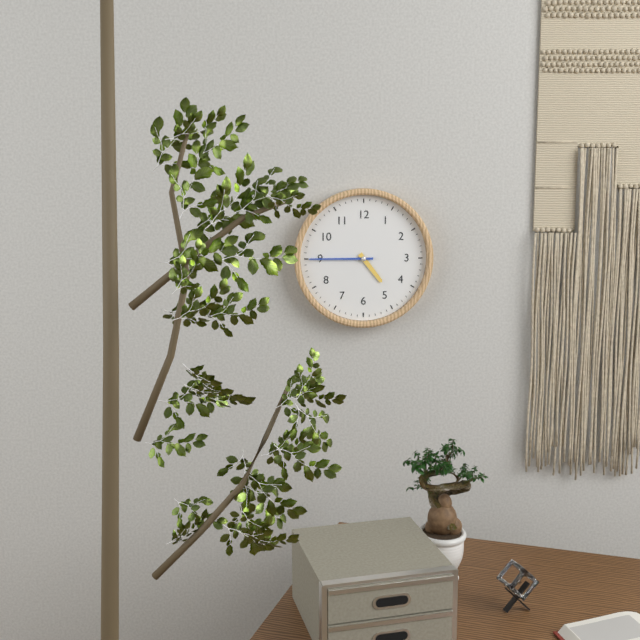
4h45
